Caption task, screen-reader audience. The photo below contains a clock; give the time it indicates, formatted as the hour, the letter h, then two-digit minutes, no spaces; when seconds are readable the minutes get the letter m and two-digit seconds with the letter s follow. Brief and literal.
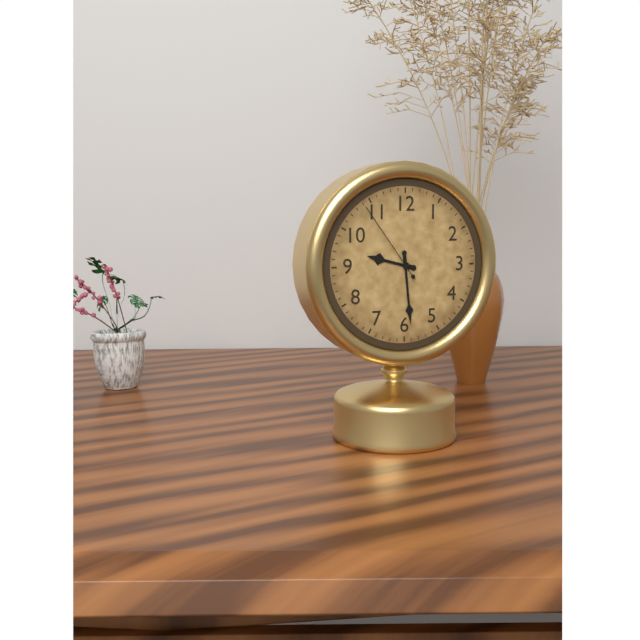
9h29m54s
